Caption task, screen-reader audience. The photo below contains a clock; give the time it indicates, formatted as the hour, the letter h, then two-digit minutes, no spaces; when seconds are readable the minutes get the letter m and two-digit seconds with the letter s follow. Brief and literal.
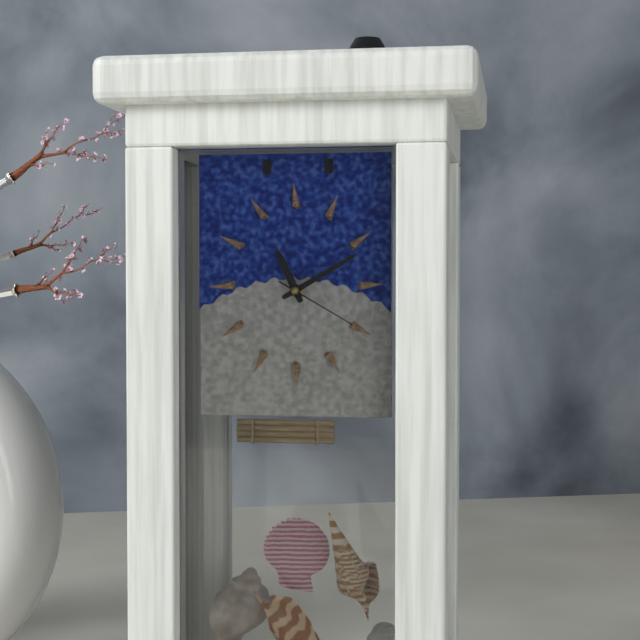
11h10m20s
